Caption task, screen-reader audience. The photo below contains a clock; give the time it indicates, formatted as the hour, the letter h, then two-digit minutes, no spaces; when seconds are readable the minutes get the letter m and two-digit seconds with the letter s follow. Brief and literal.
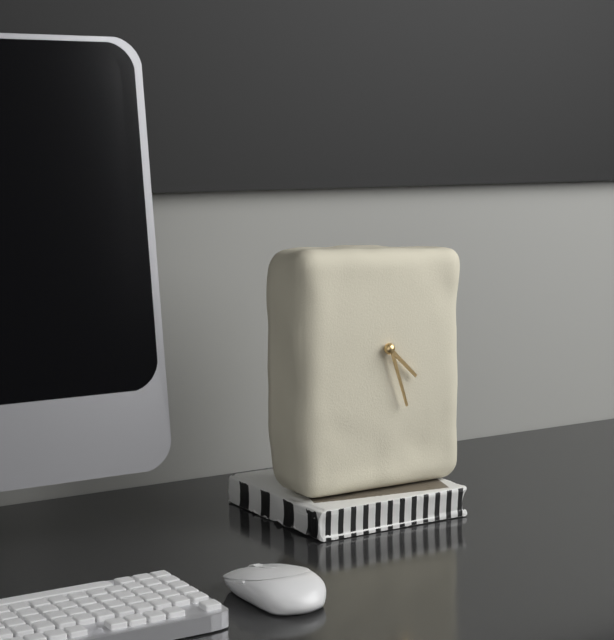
4h27
